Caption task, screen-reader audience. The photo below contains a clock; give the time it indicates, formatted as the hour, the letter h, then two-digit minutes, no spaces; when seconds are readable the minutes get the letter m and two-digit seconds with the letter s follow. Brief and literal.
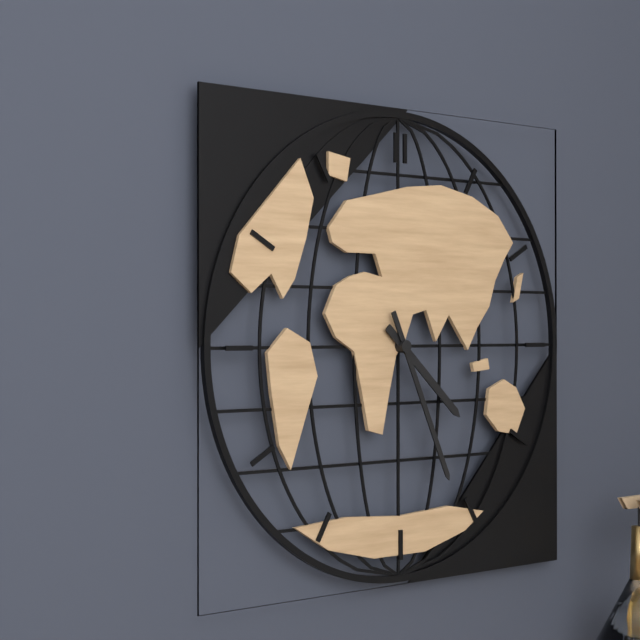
4h26
